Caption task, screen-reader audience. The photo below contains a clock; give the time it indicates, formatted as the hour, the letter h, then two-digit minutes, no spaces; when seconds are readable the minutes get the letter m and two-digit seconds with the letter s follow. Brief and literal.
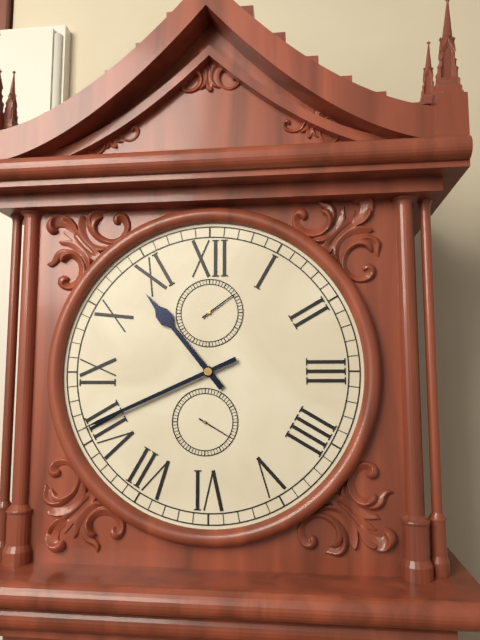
10h41
